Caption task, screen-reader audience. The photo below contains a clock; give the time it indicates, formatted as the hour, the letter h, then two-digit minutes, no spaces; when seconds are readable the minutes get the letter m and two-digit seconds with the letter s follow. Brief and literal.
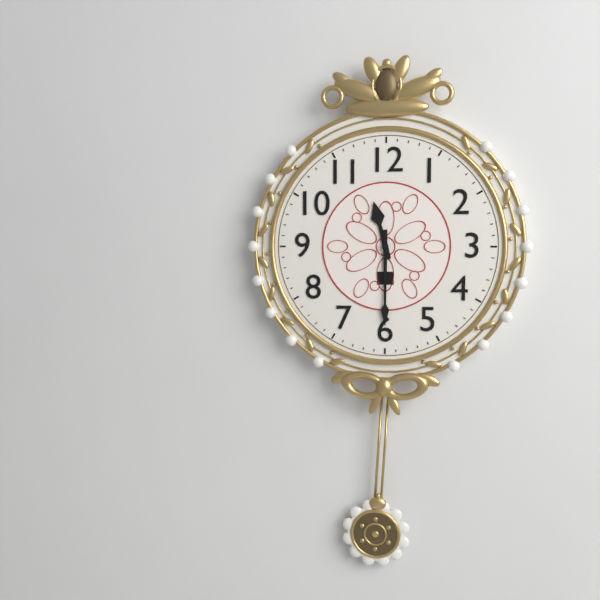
11h30
